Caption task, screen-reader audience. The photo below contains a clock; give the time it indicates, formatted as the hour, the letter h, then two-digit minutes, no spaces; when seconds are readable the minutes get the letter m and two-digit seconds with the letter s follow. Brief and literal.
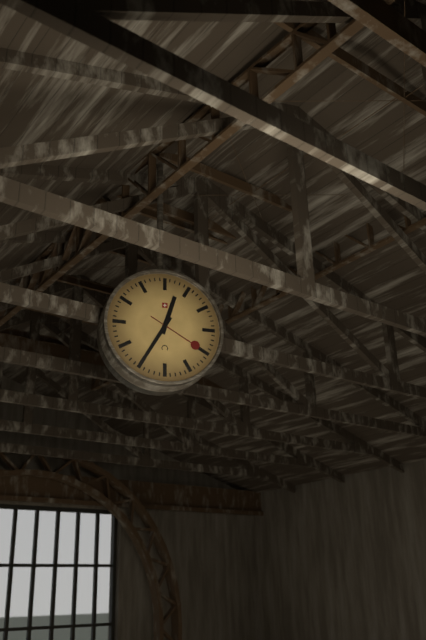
12h35m20s
